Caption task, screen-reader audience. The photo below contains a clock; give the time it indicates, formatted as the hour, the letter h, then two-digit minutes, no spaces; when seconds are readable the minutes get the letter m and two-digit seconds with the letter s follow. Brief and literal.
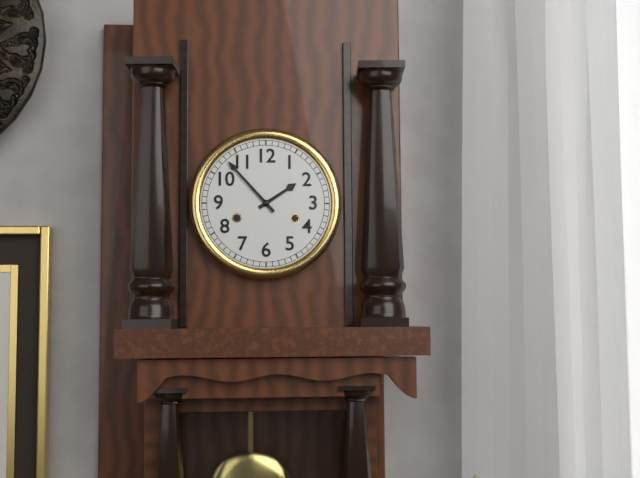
1h53
